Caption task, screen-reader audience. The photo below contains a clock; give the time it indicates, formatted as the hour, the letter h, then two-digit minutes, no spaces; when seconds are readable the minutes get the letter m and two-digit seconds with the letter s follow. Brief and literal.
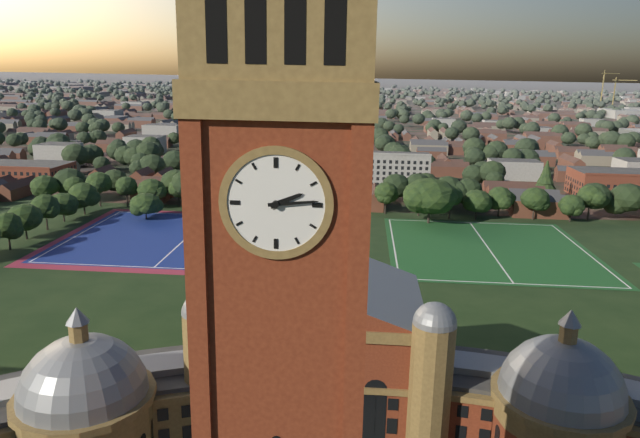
2h14
